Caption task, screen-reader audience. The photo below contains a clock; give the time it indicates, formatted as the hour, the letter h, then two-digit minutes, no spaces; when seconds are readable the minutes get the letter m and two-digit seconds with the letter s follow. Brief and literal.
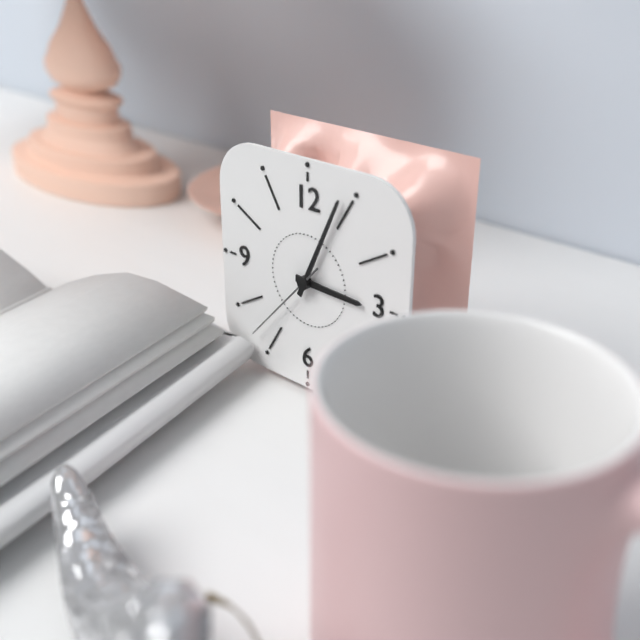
3h04m37s
